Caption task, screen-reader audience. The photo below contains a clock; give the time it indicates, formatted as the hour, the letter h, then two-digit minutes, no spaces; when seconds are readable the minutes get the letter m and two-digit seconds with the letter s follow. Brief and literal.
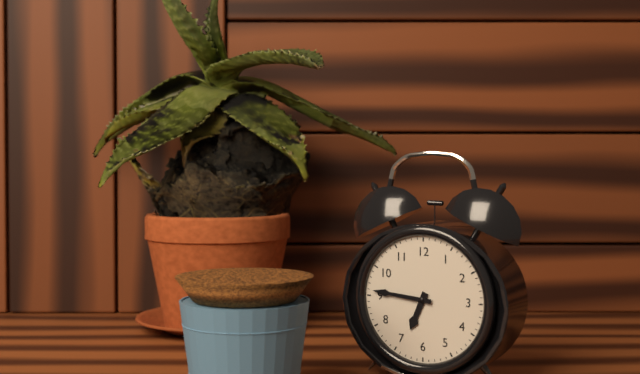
6h46
